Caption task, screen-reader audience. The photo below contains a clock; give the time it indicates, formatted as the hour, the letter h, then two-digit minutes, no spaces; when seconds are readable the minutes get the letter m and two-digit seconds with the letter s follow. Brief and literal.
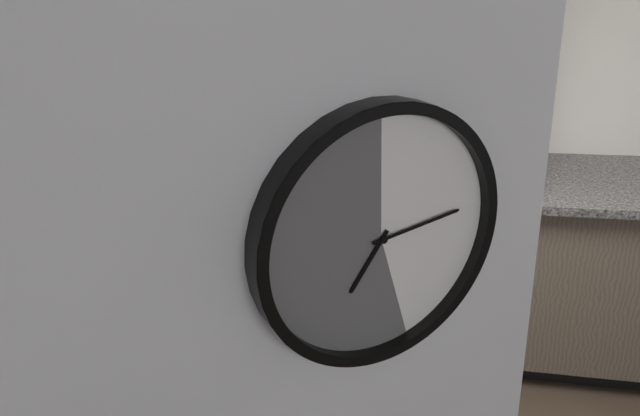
7h14
